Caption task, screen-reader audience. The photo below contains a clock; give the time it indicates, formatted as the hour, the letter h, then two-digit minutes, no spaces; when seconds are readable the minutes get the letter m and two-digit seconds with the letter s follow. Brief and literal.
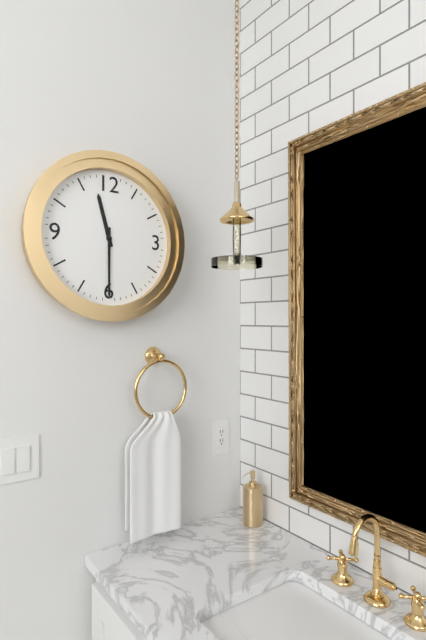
11h30
